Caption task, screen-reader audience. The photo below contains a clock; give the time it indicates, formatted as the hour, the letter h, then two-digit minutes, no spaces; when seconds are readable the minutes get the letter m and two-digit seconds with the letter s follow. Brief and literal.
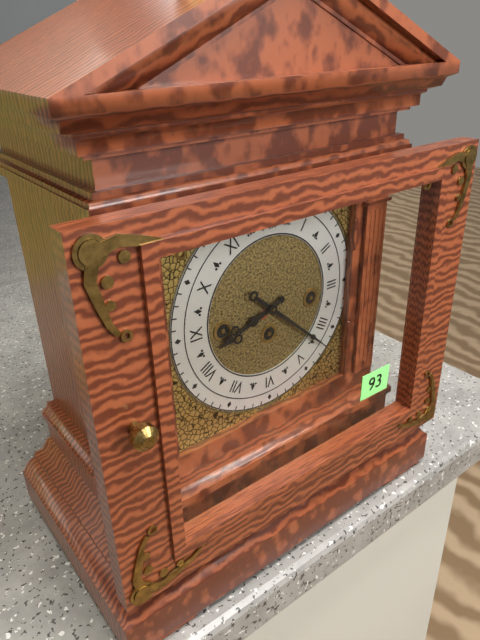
8h22
